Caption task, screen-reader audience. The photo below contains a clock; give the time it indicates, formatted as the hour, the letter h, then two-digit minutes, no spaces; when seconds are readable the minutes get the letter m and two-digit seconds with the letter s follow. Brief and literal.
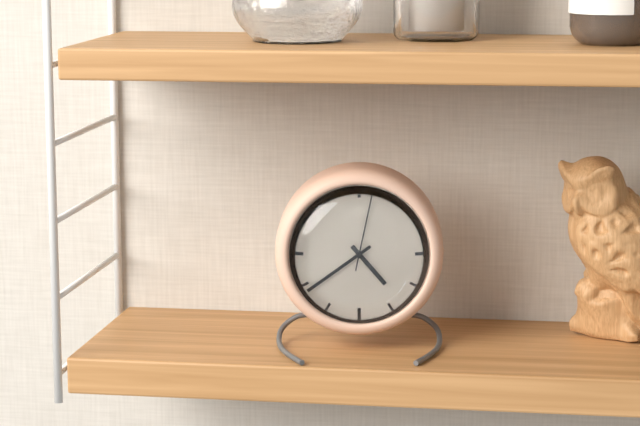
4h39m02s
